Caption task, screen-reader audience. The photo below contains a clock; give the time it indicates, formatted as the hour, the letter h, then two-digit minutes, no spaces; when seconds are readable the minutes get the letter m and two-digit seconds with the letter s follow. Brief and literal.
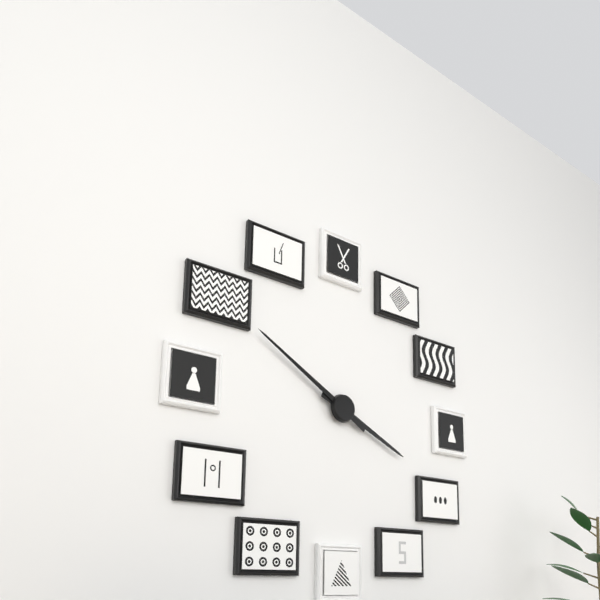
3h50
